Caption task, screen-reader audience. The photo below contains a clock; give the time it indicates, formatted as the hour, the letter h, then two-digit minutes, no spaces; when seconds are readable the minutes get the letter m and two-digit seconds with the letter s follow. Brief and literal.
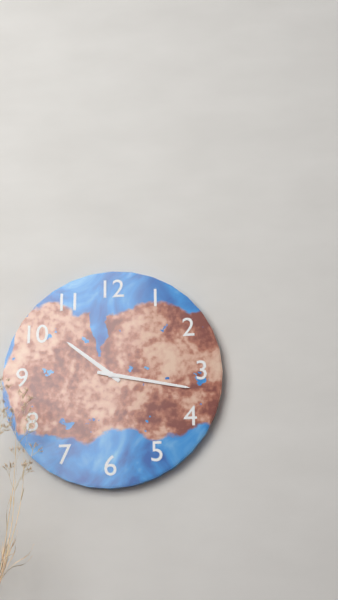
10h17
